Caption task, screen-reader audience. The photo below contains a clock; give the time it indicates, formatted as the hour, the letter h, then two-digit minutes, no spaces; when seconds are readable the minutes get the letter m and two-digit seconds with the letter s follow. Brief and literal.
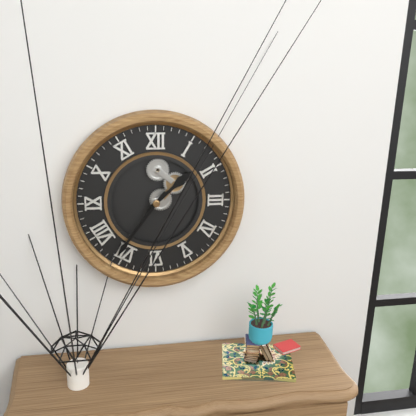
1h36
